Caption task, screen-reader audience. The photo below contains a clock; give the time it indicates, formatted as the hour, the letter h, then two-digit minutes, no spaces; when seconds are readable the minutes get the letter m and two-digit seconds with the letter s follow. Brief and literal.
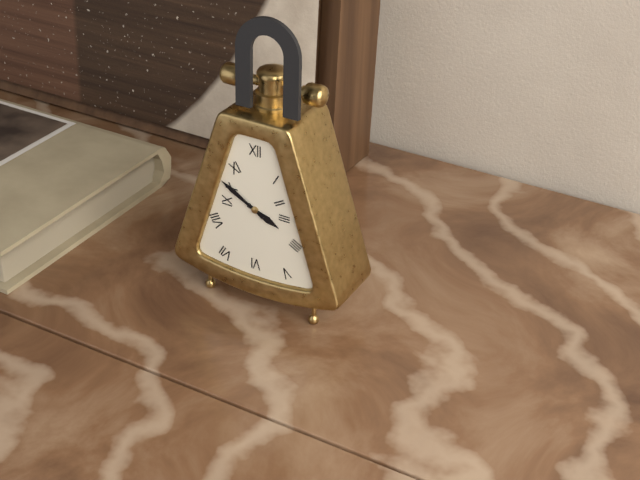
3h50
